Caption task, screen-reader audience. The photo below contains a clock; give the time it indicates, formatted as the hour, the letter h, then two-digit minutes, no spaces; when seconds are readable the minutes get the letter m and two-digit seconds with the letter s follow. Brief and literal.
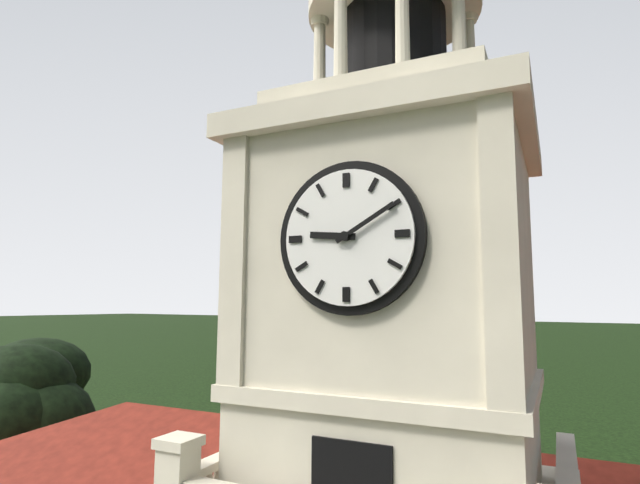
9h10
